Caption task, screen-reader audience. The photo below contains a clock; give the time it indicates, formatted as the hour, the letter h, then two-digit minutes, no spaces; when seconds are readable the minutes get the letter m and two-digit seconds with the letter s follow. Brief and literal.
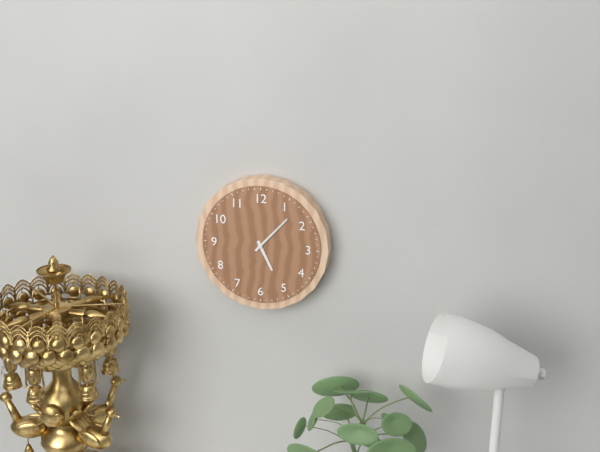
5h07
